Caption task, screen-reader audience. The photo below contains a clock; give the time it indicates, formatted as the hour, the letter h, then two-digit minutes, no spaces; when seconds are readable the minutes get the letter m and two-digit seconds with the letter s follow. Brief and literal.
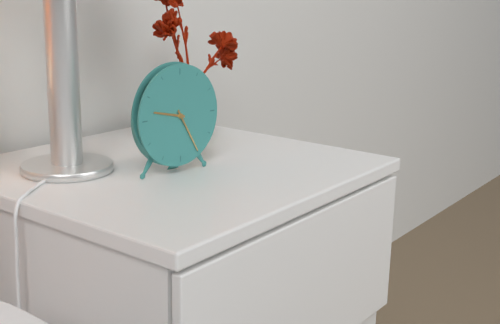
9h25
